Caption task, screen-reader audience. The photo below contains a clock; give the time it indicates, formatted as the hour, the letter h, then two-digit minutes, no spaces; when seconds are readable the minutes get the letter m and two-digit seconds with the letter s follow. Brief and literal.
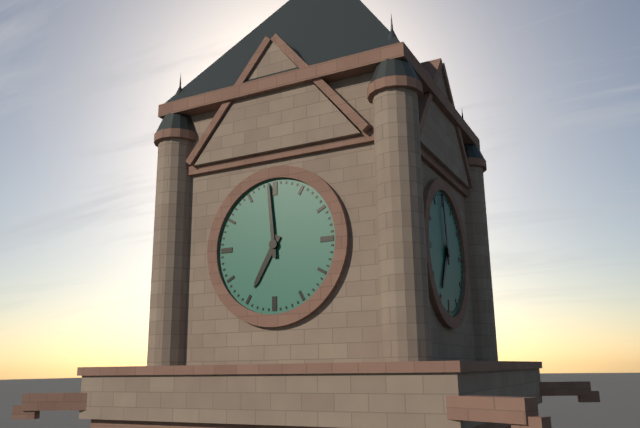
6h59
